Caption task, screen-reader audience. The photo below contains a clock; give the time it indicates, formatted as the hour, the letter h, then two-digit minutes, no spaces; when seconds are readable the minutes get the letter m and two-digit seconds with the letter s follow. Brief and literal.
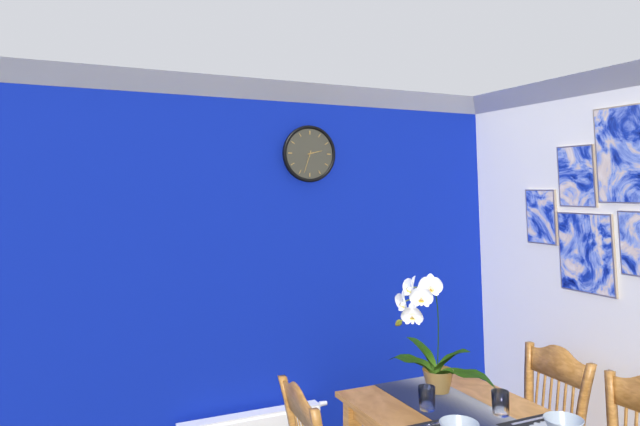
2h33
